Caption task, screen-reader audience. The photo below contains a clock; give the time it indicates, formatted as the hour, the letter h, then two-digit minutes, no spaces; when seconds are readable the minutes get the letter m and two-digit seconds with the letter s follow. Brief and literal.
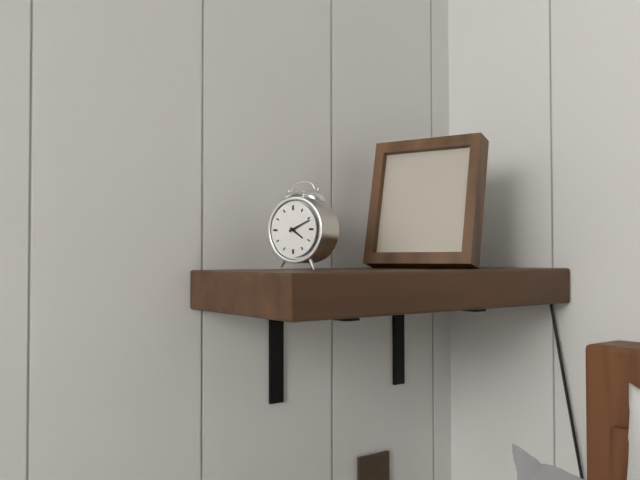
4h11
